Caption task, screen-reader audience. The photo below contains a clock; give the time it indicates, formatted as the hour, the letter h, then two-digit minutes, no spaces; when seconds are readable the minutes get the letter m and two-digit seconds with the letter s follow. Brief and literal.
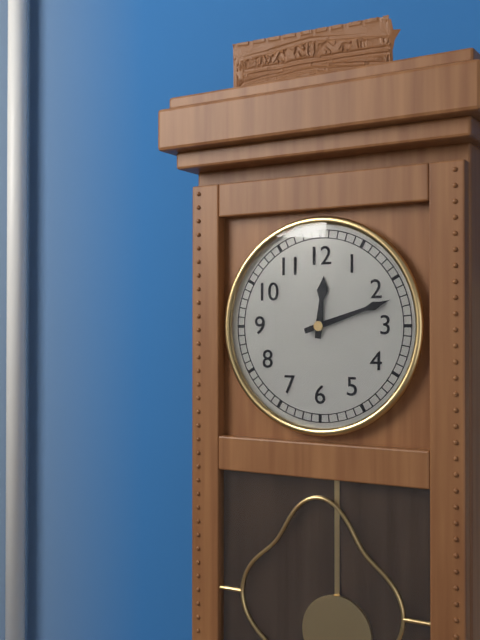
12h12
